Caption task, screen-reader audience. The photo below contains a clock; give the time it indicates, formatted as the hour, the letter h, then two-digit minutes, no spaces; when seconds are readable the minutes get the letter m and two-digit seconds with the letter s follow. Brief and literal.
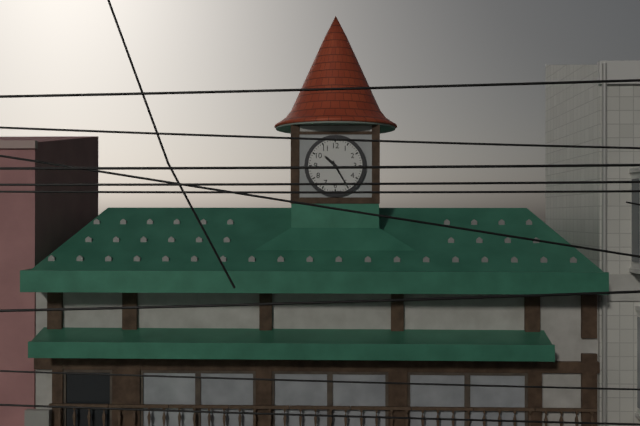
10h25
